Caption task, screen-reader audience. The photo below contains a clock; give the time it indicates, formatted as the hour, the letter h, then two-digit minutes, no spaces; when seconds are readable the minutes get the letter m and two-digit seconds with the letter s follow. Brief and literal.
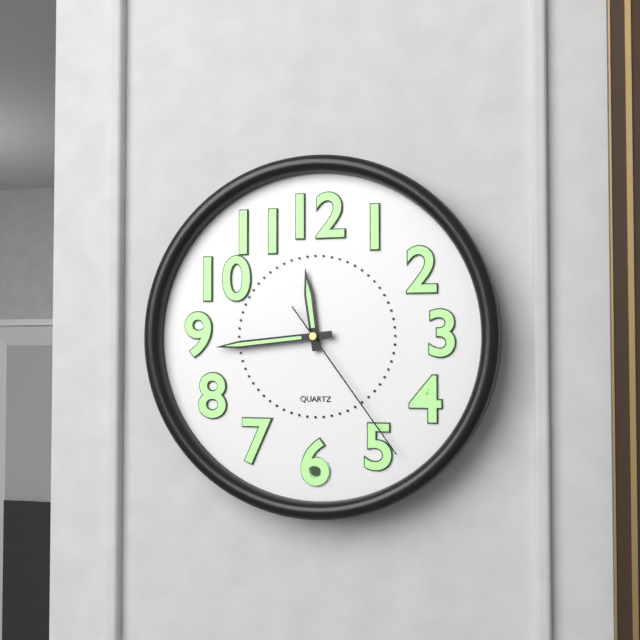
11h44m24s
